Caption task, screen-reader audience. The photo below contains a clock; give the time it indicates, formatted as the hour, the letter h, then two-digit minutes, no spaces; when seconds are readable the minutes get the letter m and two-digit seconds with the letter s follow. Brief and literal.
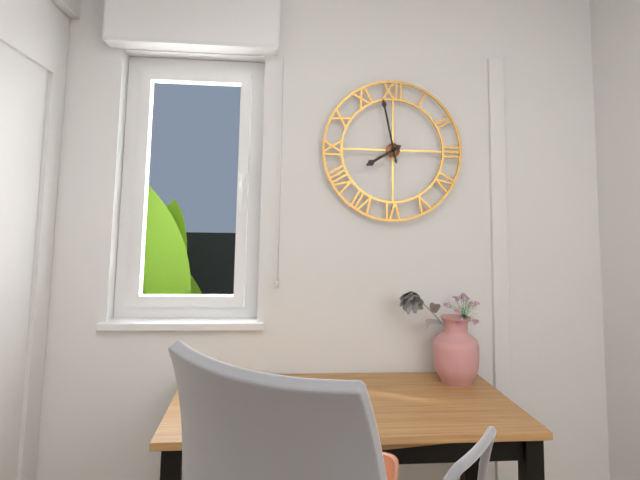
7h58
